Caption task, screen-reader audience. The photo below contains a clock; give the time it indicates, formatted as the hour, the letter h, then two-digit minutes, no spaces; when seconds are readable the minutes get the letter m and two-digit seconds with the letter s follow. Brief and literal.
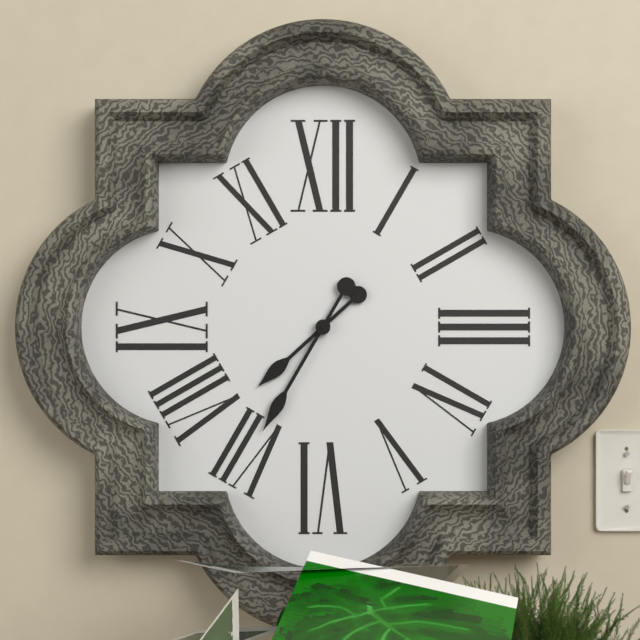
7h35
